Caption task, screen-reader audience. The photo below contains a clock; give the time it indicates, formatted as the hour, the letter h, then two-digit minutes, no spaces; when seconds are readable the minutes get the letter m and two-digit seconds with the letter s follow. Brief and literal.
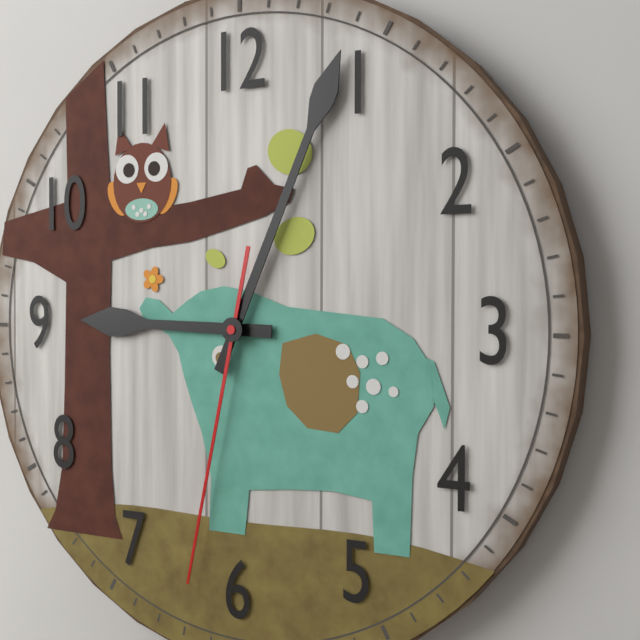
9h04m32s
